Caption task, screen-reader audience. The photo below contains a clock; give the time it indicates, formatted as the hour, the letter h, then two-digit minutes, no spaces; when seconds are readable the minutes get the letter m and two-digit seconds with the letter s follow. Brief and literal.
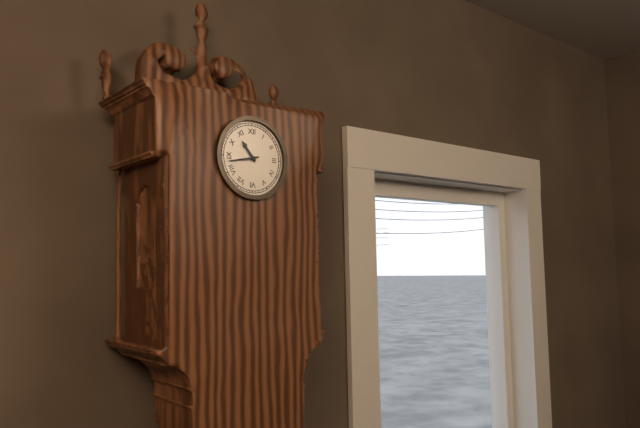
10h43
